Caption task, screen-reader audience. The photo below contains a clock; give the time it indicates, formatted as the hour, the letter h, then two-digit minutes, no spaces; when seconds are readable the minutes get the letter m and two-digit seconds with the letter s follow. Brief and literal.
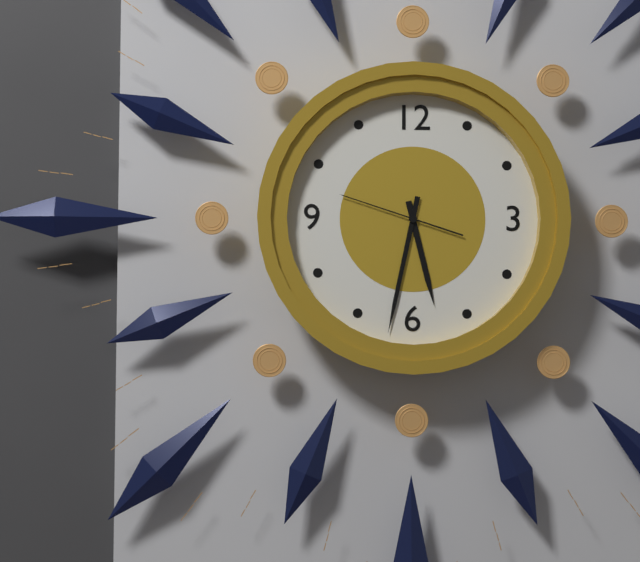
5h32m48s
